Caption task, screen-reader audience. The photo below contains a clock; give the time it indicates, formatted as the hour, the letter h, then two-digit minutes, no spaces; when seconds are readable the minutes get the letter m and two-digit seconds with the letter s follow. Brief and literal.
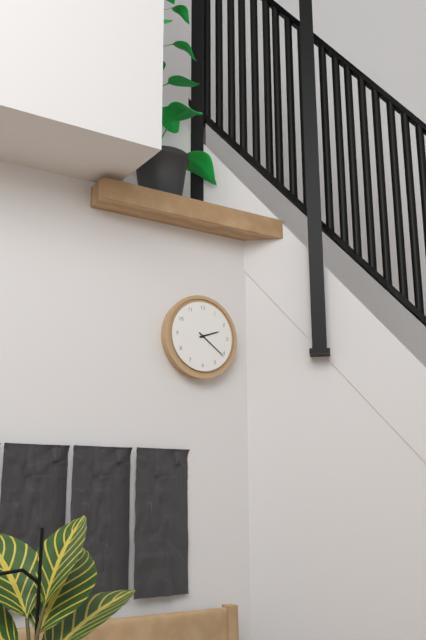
2h21
